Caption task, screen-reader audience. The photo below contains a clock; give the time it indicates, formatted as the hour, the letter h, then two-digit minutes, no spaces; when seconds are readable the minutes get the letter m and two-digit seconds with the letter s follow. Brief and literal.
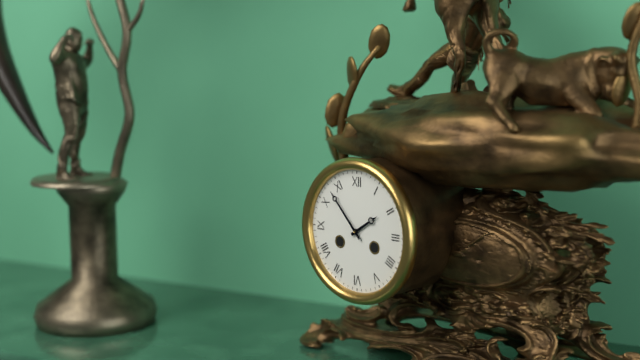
1h53
